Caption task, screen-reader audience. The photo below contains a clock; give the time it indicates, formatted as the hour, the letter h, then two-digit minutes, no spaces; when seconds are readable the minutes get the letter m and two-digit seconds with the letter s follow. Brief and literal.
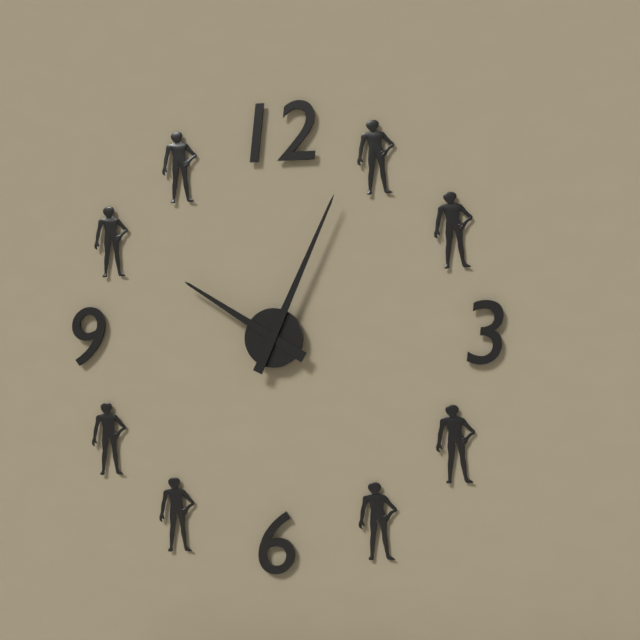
10h04
